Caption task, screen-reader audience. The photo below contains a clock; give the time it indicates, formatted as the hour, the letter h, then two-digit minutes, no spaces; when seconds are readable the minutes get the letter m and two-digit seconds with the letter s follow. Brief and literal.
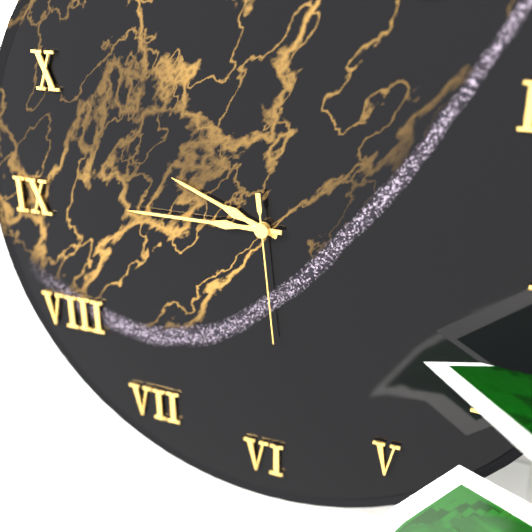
9h45m29s
